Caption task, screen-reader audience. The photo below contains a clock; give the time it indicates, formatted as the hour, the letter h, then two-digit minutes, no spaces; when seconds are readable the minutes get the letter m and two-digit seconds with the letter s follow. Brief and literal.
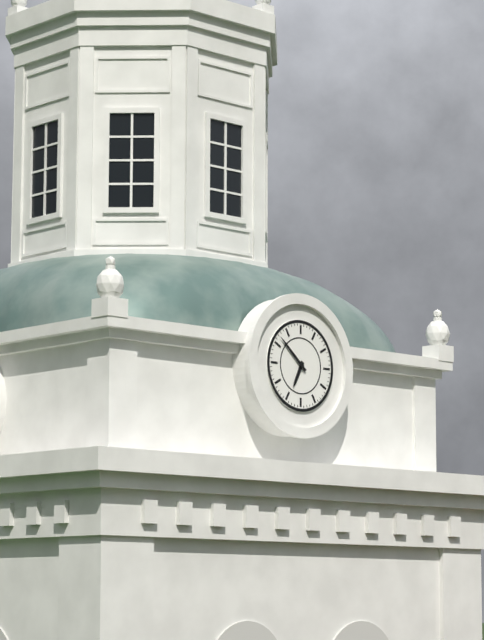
6h52
